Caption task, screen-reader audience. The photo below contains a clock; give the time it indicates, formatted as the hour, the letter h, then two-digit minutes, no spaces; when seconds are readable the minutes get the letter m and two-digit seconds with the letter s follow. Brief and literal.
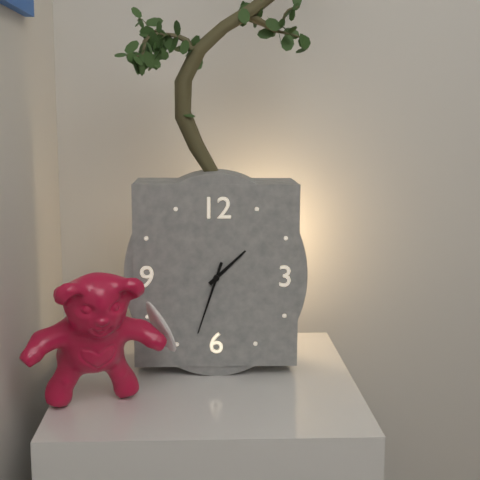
1h33
